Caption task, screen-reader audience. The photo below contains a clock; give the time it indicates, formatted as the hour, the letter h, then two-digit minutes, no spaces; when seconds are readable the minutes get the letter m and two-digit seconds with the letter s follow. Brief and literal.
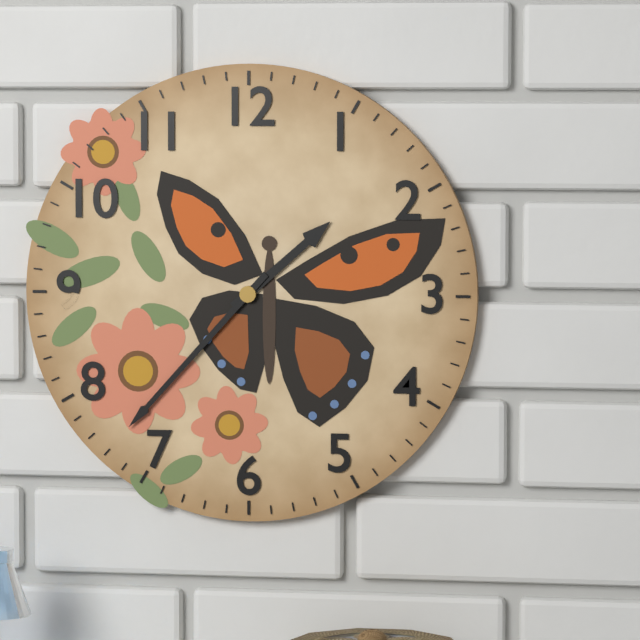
1h37
